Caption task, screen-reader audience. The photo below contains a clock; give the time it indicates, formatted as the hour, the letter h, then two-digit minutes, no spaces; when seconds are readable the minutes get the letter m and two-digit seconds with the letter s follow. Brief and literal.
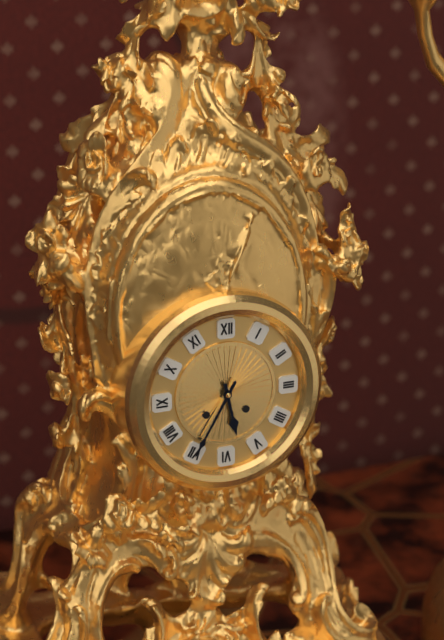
5h35
